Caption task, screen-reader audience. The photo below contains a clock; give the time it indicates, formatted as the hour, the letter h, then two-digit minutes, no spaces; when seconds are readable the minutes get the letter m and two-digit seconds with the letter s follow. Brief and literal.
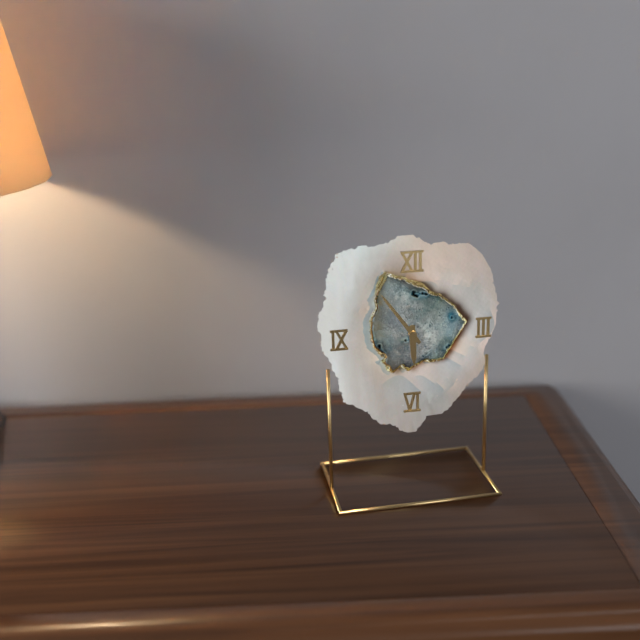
5h54
